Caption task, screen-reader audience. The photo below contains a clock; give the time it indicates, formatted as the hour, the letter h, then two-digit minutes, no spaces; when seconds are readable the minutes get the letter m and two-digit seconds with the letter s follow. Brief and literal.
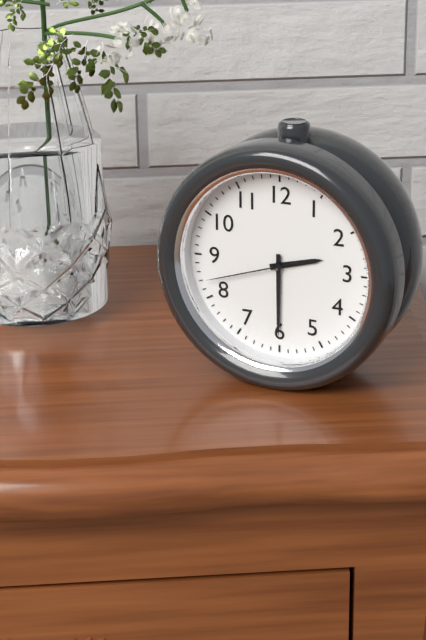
2h30m42s
